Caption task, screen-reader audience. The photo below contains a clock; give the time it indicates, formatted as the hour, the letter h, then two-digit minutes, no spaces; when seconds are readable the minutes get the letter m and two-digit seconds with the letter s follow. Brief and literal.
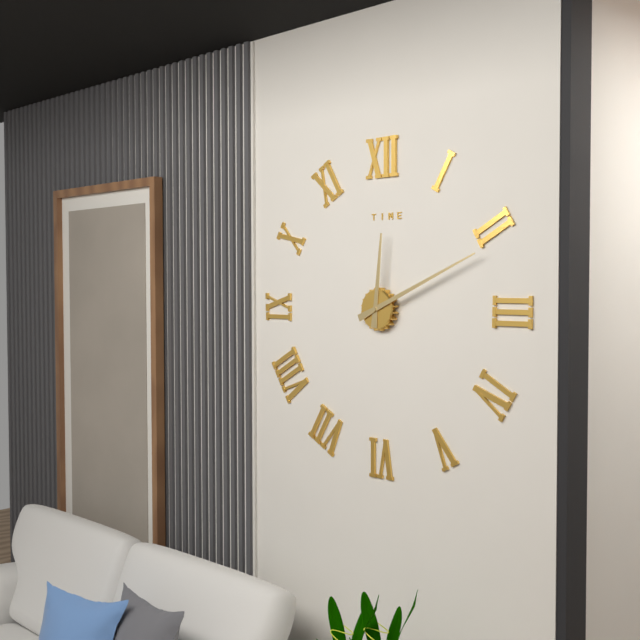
12h11
